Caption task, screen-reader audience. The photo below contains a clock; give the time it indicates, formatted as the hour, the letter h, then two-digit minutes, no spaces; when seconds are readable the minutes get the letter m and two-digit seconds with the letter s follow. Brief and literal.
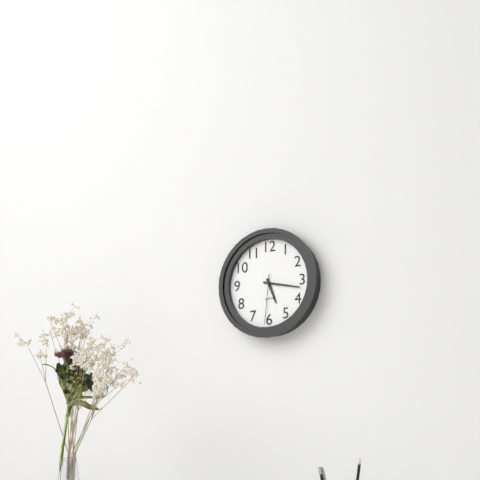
5h17m31s
